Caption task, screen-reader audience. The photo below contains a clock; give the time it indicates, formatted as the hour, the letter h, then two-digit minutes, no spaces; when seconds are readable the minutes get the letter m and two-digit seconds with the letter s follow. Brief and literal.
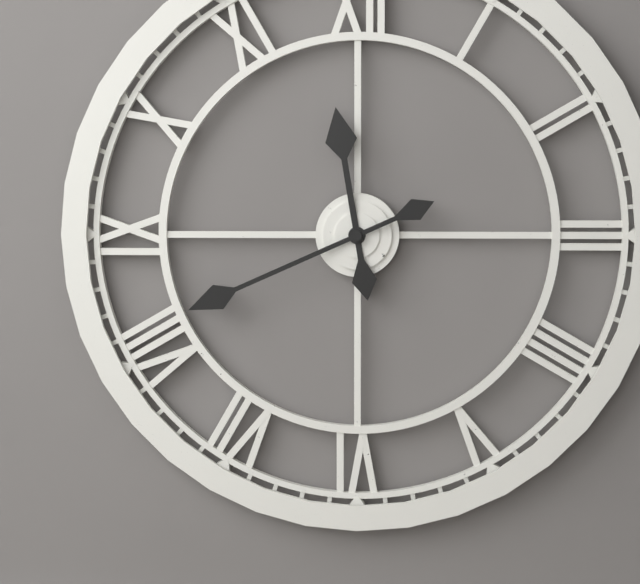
11h41
